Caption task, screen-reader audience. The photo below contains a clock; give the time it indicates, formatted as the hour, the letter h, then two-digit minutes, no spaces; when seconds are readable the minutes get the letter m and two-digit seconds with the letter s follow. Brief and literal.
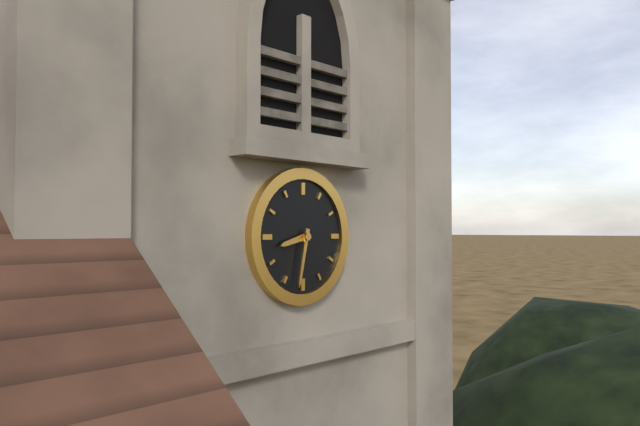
8h32
